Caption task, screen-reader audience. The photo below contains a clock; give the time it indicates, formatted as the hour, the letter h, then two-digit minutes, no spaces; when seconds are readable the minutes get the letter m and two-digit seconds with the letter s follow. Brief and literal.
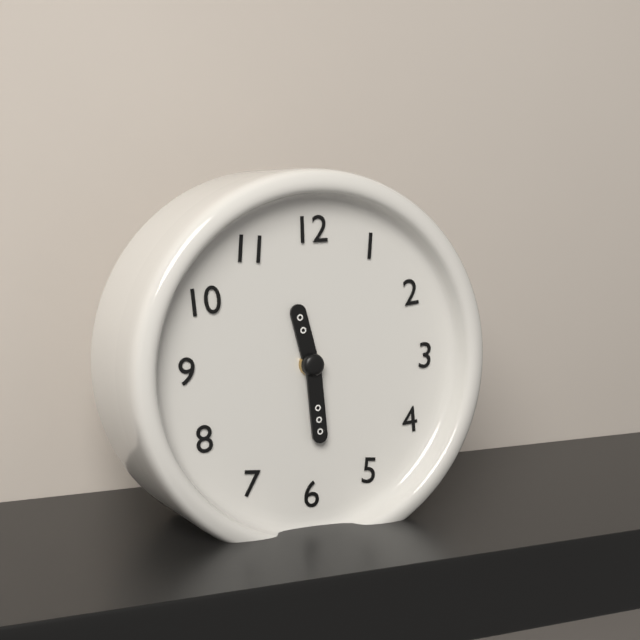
11h29
